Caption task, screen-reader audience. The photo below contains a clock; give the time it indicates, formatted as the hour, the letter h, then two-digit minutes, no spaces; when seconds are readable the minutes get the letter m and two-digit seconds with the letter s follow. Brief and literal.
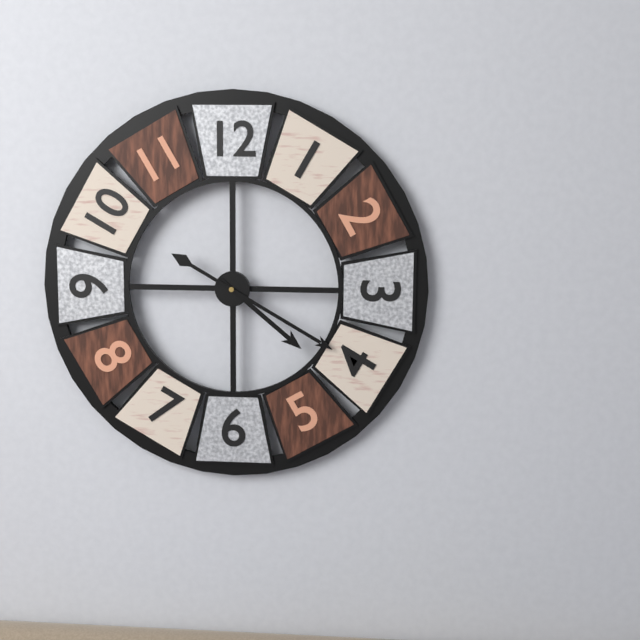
4h20
